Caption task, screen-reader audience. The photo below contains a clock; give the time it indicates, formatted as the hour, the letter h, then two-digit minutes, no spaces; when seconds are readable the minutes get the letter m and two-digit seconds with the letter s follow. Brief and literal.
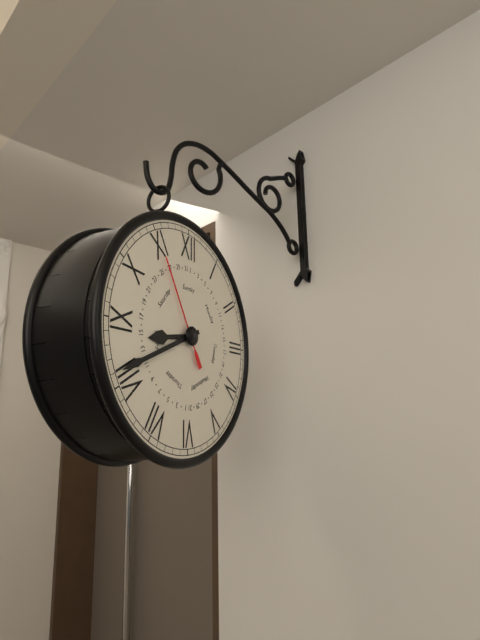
8h41m55s
